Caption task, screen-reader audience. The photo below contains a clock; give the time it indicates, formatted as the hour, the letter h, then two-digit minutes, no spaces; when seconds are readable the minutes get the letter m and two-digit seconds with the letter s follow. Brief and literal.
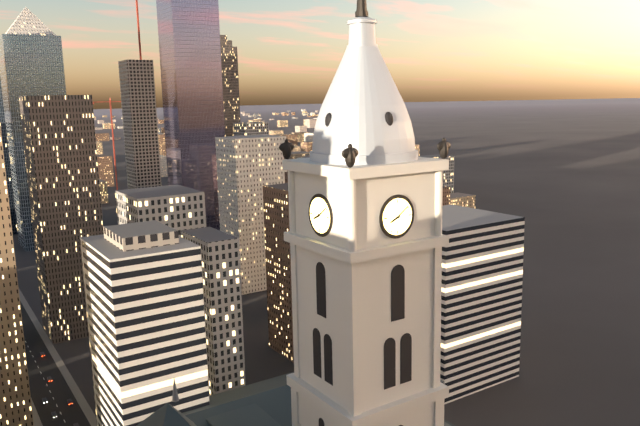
8h09
